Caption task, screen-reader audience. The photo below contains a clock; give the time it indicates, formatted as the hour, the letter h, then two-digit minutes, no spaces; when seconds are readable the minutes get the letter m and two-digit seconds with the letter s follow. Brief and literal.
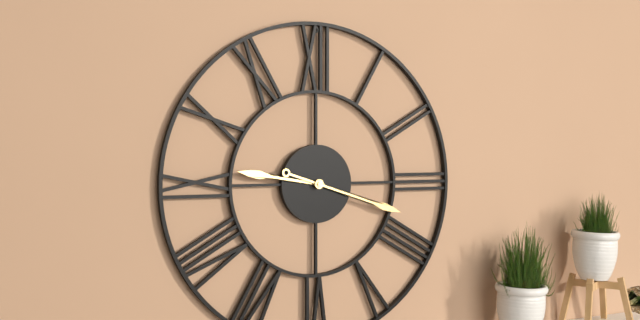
9h18
